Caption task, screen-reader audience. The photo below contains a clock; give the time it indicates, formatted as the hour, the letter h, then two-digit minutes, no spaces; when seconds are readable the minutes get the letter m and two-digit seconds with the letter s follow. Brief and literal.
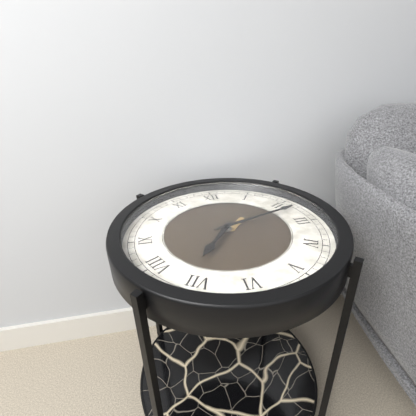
7h12
